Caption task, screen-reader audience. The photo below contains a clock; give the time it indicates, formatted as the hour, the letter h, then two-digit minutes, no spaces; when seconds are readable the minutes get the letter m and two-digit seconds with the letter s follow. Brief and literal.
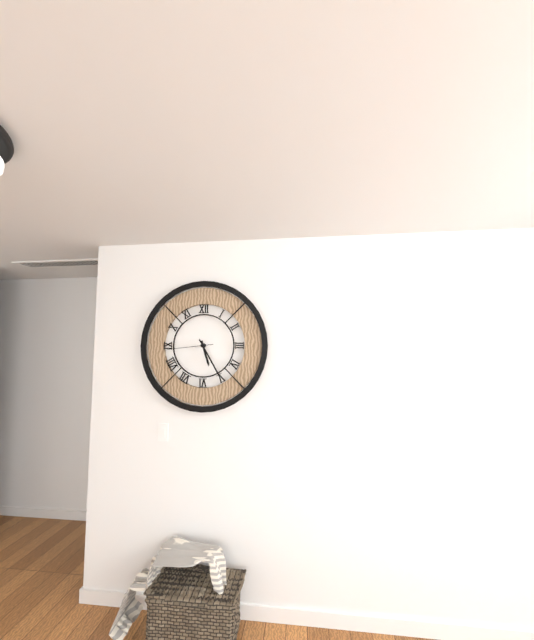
5h25
